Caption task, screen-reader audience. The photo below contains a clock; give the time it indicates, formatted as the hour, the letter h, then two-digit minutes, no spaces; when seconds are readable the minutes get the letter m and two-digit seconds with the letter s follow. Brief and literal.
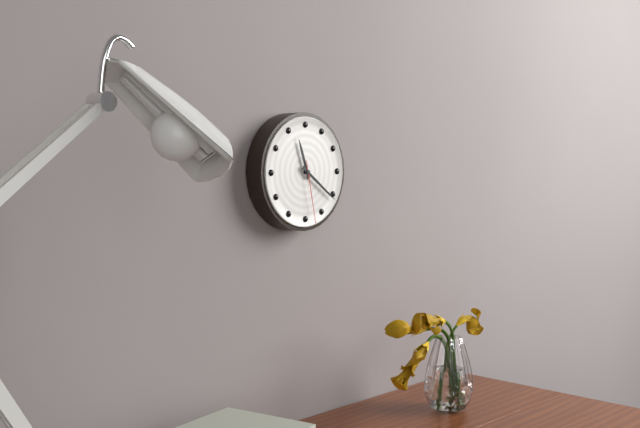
11h21m28s
